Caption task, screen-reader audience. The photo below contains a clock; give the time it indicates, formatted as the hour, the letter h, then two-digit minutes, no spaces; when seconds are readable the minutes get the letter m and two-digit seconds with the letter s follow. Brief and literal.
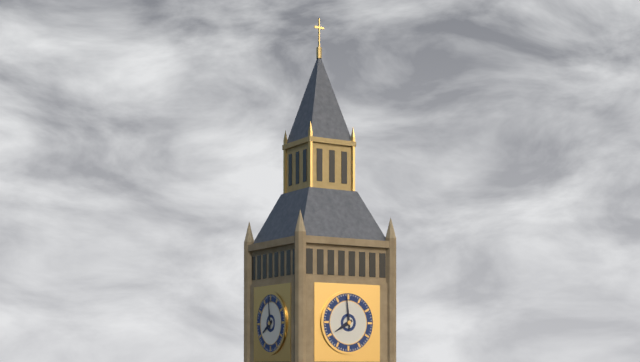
7h59
